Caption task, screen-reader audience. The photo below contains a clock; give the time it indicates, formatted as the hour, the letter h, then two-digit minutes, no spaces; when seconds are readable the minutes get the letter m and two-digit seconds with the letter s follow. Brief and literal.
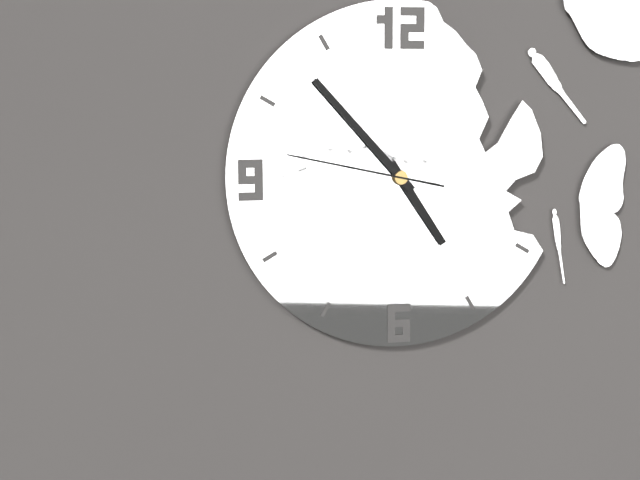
4h53m47s
